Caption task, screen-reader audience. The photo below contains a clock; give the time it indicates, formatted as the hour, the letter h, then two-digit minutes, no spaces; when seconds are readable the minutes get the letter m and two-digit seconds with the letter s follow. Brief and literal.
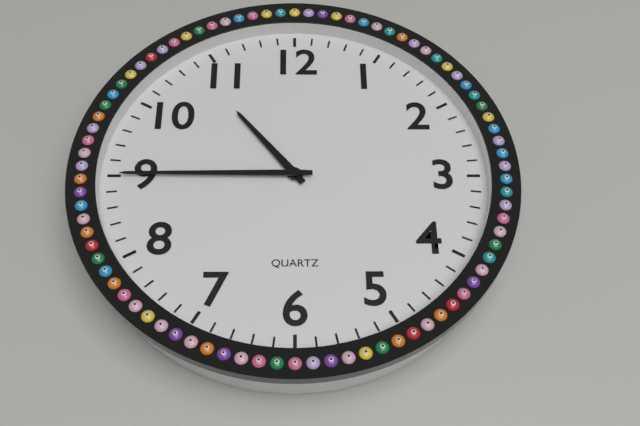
10h45
